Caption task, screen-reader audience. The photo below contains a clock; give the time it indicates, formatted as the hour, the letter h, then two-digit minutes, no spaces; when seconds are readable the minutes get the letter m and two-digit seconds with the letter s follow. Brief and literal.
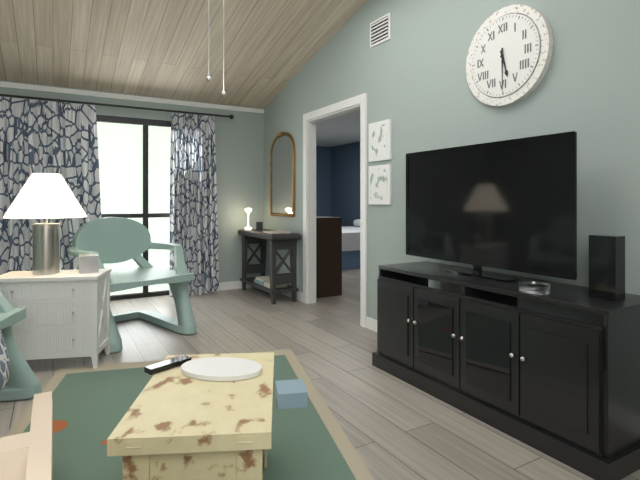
5h30
